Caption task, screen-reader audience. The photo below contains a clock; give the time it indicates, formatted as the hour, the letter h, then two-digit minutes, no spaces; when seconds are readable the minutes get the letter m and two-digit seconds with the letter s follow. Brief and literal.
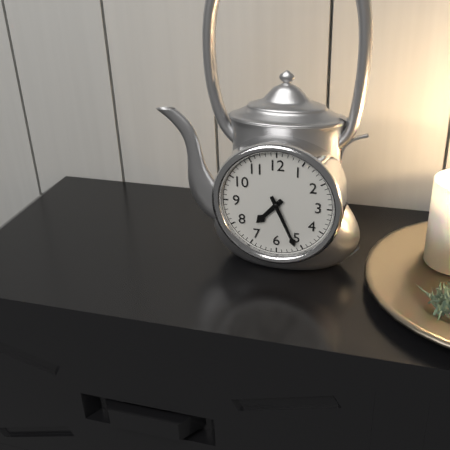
7h26
